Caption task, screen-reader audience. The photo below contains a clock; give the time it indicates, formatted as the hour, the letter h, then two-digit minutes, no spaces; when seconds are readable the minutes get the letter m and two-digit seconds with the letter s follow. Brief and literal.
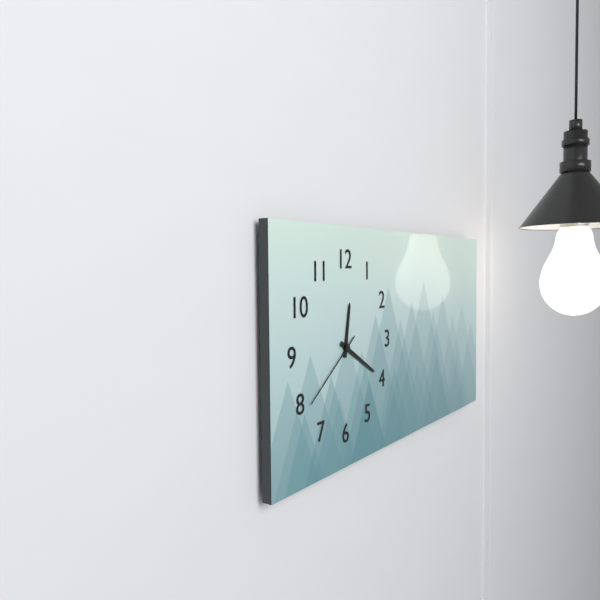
12h20m39s
